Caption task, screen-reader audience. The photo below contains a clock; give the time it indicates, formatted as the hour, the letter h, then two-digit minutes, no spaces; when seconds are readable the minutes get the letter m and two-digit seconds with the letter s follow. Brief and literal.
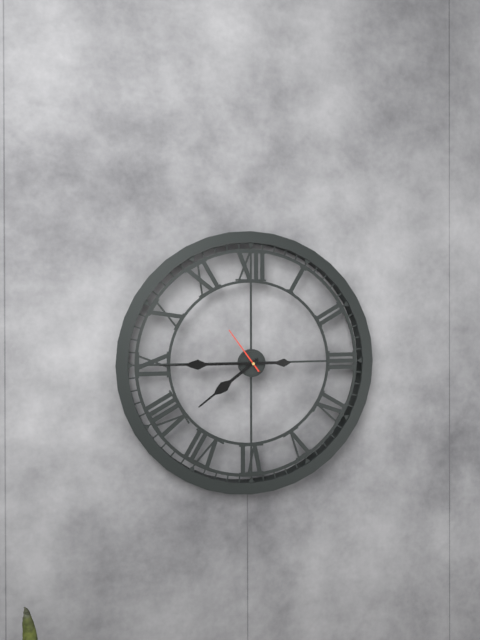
7h45m54s
